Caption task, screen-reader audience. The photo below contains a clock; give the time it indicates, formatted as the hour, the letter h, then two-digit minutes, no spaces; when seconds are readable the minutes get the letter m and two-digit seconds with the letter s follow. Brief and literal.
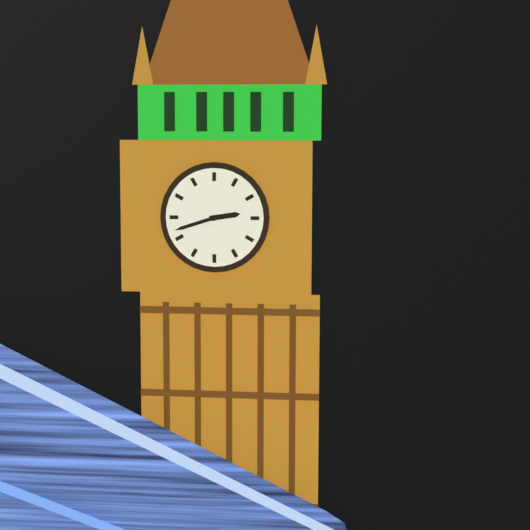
2h42
